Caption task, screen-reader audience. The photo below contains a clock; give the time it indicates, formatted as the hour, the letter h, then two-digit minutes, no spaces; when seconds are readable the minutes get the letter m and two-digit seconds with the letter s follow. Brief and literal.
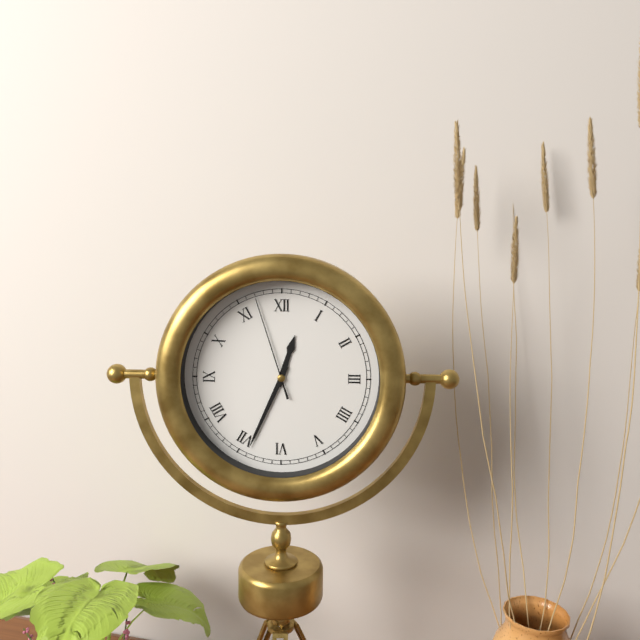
12h34m57s
